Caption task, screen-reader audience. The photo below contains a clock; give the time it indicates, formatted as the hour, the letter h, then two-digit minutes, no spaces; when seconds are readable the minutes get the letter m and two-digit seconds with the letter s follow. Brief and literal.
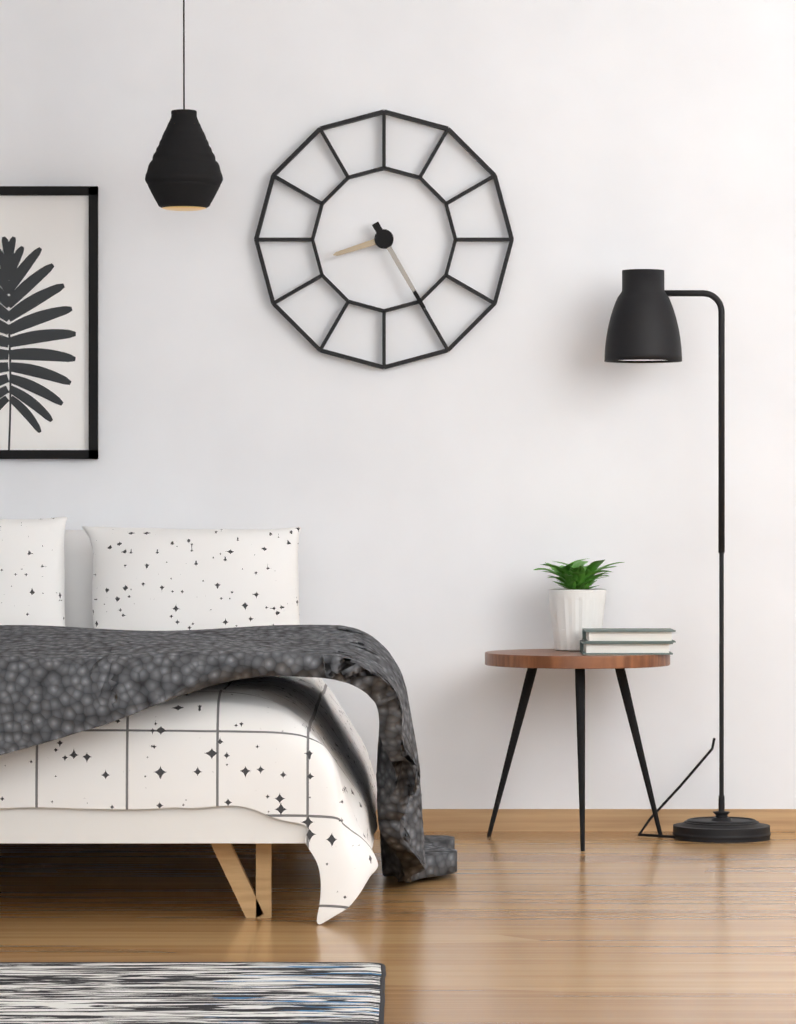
8h25
